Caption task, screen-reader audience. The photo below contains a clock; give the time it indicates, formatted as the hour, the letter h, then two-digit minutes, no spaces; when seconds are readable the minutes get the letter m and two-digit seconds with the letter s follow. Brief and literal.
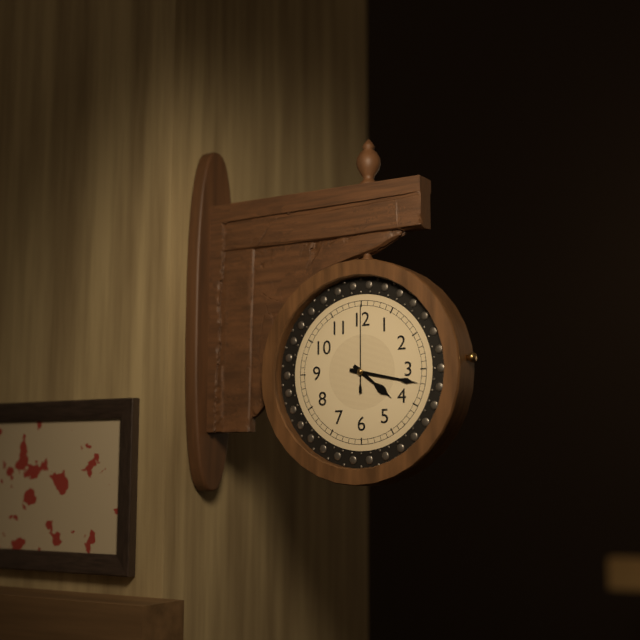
4h17m00s
